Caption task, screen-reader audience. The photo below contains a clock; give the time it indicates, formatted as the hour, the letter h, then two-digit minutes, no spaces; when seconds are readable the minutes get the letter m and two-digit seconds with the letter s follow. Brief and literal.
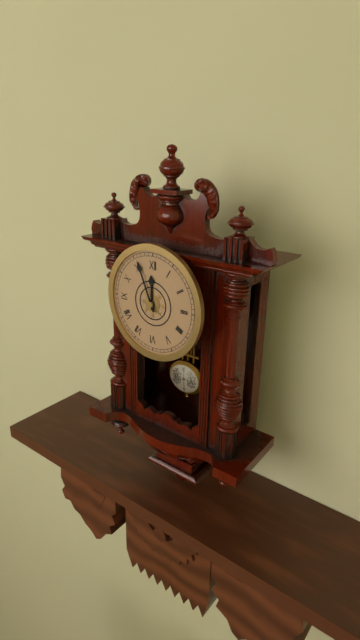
11h56
